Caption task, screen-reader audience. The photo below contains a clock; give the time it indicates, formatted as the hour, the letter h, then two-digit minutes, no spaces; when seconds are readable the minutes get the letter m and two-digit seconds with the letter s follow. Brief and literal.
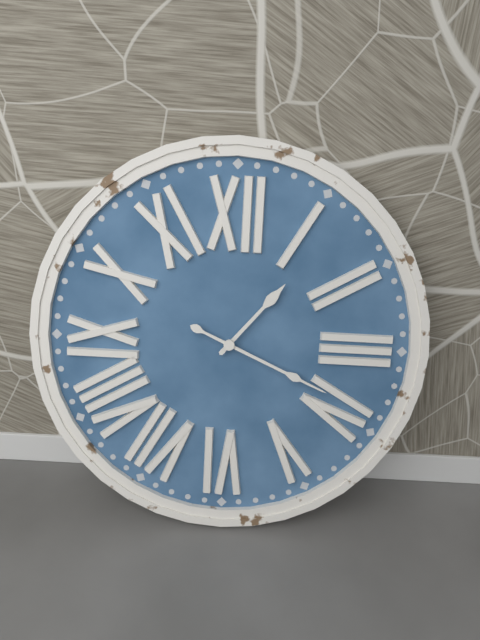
1h19
